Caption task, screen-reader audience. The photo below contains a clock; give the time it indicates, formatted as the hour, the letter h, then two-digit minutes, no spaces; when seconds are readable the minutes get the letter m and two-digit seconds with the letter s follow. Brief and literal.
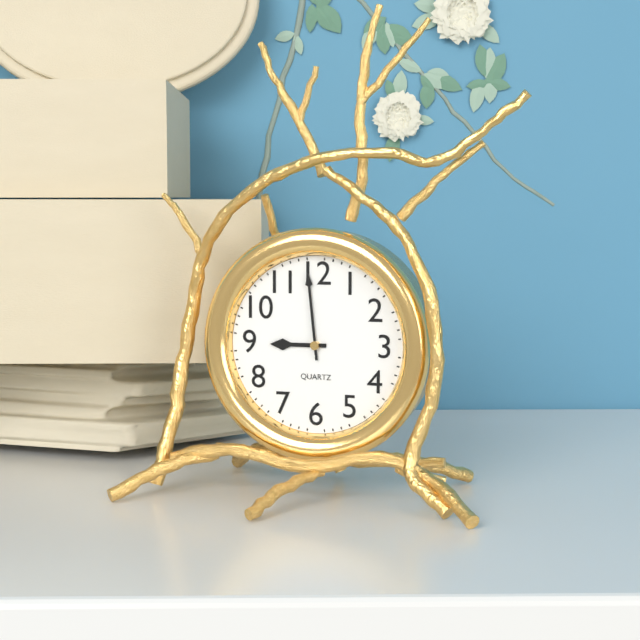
8h59
